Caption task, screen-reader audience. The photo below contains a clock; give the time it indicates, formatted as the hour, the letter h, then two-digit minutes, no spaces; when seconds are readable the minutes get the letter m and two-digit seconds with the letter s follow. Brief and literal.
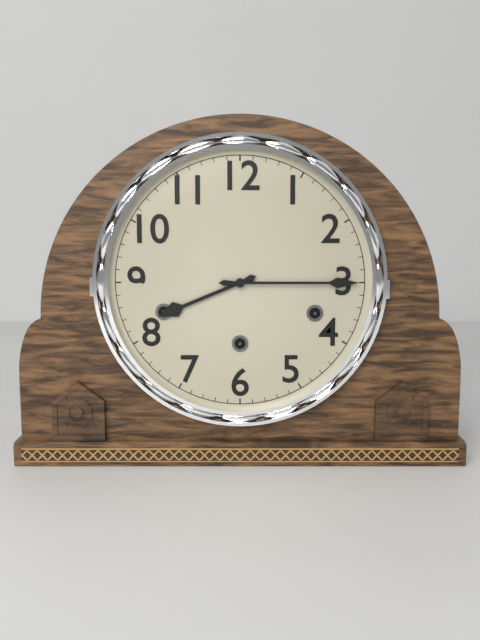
8h15
